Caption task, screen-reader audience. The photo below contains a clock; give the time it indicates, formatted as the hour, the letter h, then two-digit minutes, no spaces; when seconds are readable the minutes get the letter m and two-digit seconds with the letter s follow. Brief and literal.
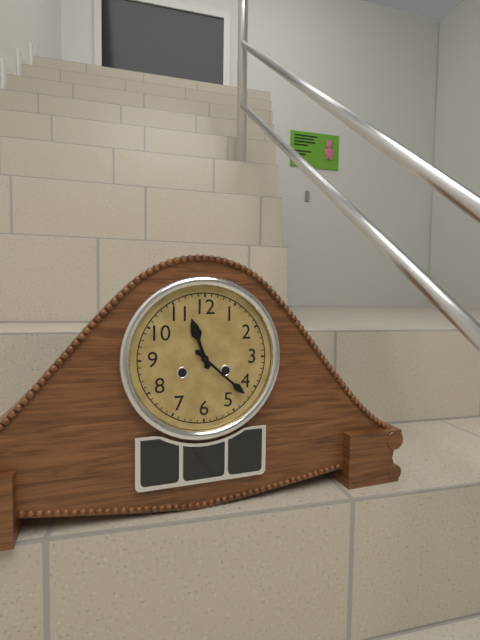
11h22
